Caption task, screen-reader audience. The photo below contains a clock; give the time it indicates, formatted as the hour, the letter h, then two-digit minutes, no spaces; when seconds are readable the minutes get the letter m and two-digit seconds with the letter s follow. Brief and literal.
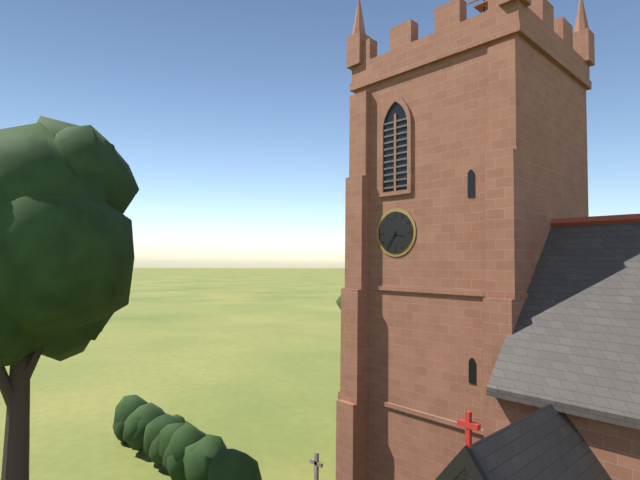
3h36
